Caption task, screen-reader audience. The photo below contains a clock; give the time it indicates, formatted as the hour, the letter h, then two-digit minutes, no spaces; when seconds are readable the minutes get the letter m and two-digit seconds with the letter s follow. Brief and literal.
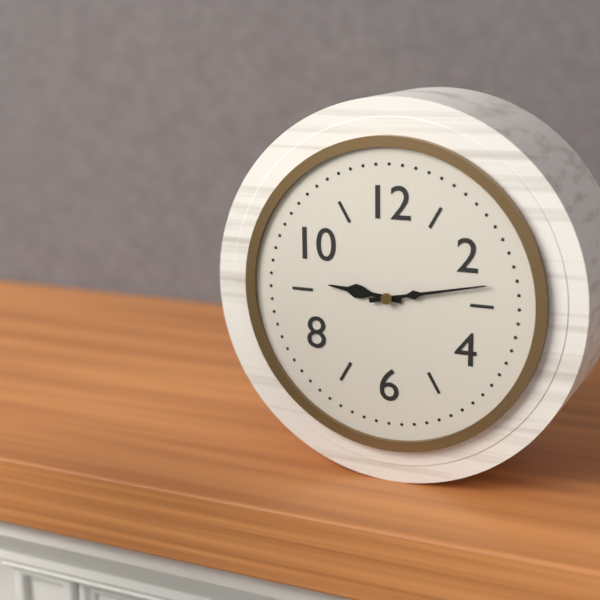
9h13
